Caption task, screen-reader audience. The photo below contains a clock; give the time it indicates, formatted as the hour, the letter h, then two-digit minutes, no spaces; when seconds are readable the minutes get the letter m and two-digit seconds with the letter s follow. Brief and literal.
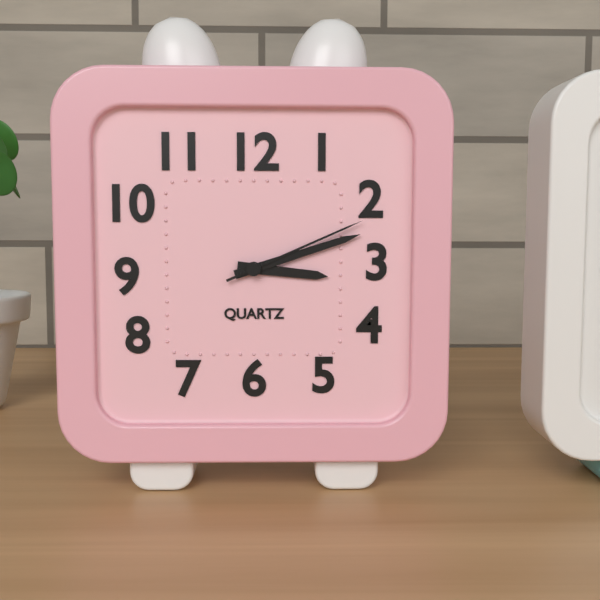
3h12m11s
